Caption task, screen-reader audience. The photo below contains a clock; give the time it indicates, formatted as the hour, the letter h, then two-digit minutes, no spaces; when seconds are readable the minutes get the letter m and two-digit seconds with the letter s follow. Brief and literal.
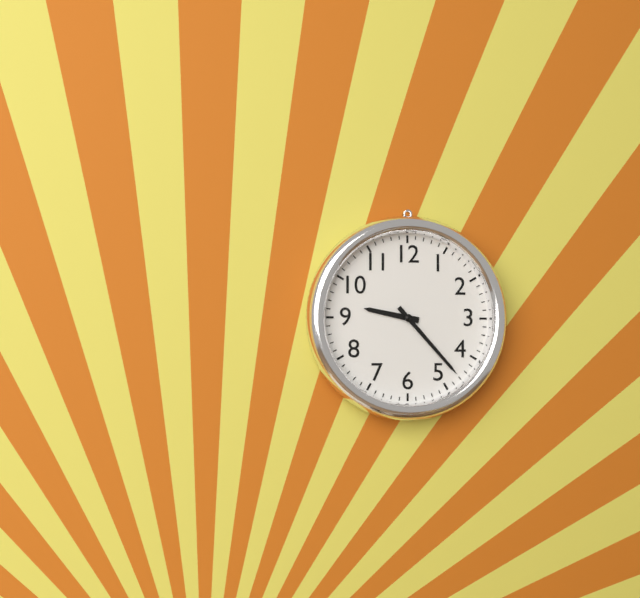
9h23
